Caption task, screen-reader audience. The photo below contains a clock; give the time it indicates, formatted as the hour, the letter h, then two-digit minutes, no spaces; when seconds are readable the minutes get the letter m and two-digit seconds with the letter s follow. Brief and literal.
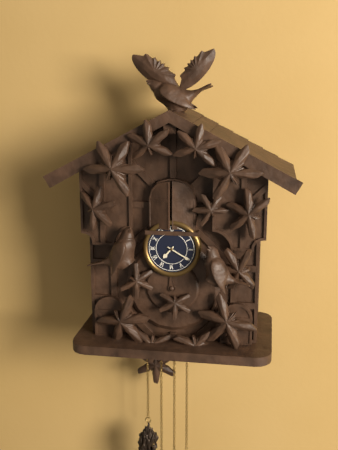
7h20
